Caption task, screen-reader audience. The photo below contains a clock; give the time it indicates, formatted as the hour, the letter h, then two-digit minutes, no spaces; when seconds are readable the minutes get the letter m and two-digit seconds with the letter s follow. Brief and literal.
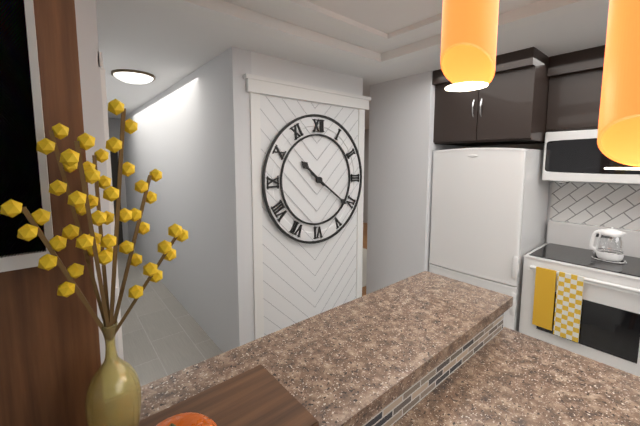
10h21
